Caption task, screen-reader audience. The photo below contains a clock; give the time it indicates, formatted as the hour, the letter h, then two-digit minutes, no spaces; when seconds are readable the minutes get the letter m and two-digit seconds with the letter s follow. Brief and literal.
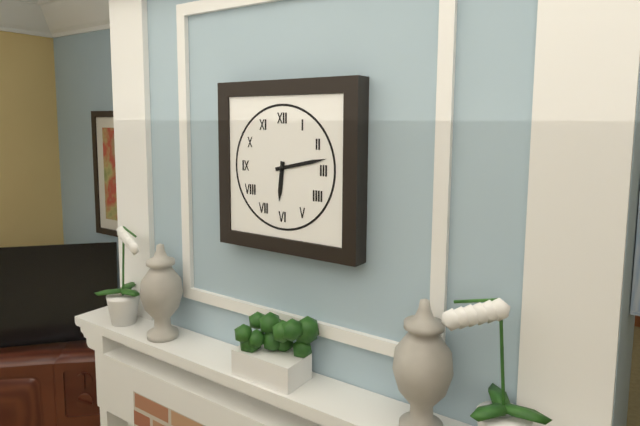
6h13
